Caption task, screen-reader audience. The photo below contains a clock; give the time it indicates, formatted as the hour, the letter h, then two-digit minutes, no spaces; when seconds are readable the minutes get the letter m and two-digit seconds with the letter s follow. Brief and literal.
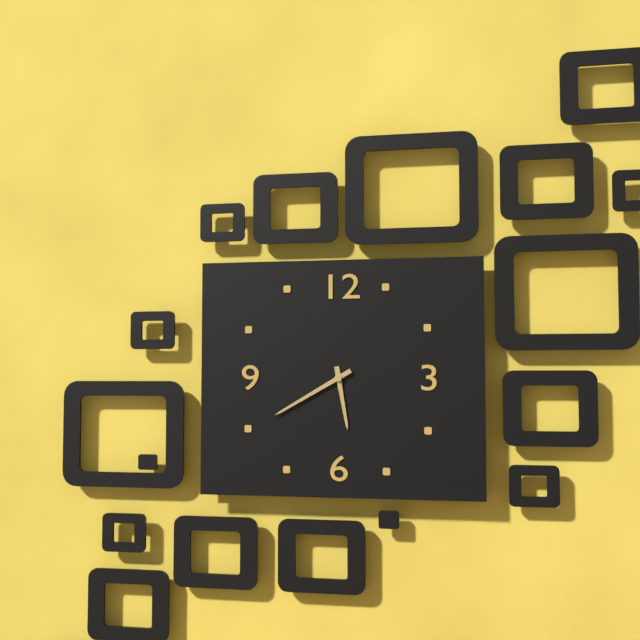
5h40
